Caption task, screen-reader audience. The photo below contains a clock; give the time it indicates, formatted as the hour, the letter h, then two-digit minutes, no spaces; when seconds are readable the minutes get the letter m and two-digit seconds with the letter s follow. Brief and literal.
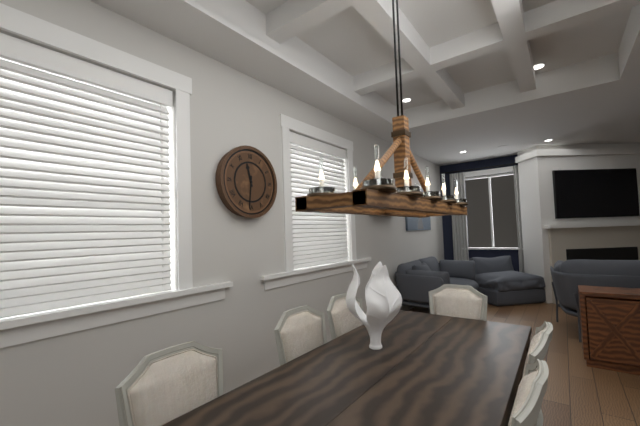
11h31
